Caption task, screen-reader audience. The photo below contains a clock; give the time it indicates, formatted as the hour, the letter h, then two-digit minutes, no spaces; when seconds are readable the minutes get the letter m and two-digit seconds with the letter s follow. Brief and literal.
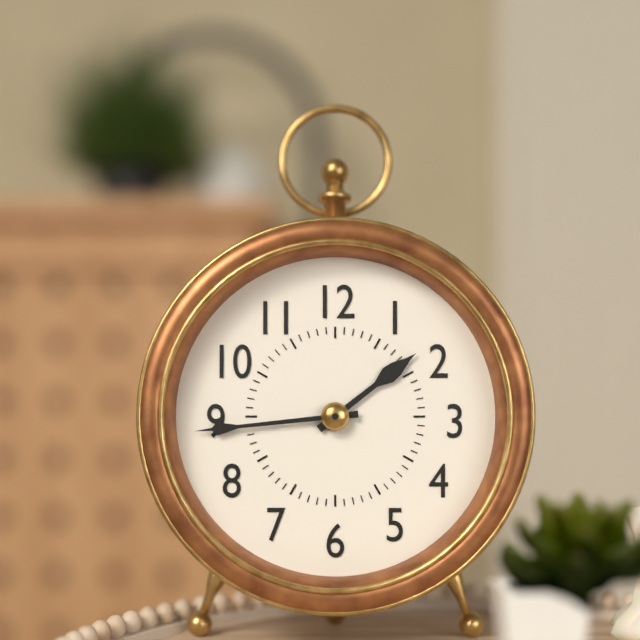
1h44
